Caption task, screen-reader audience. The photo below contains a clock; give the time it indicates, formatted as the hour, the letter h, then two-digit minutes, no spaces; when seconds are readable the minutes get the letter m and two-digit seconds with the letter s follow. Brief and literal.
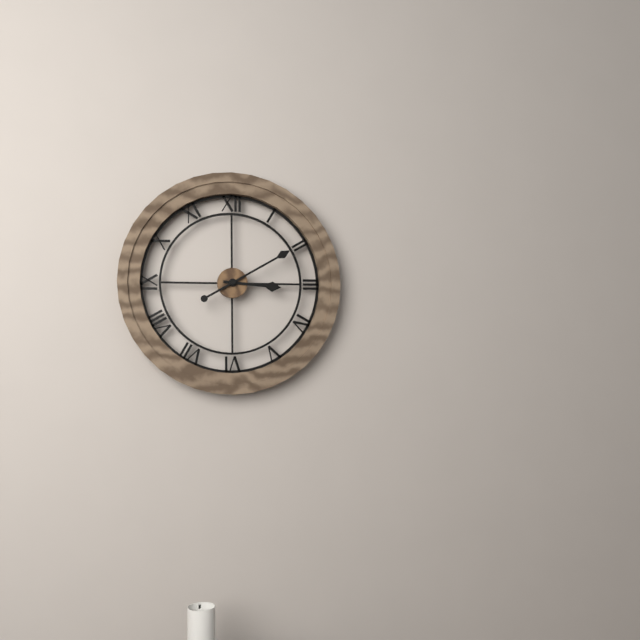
3h10
